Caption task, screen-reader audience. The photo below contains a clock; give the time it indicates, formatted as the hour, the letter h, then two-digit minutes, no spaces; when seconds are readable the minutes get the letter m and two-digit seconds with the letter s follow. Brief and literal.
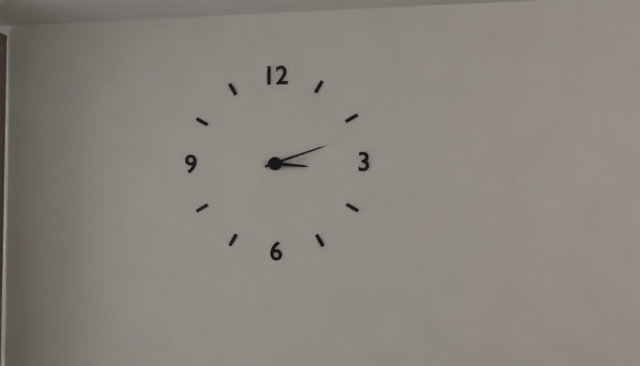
3h12
